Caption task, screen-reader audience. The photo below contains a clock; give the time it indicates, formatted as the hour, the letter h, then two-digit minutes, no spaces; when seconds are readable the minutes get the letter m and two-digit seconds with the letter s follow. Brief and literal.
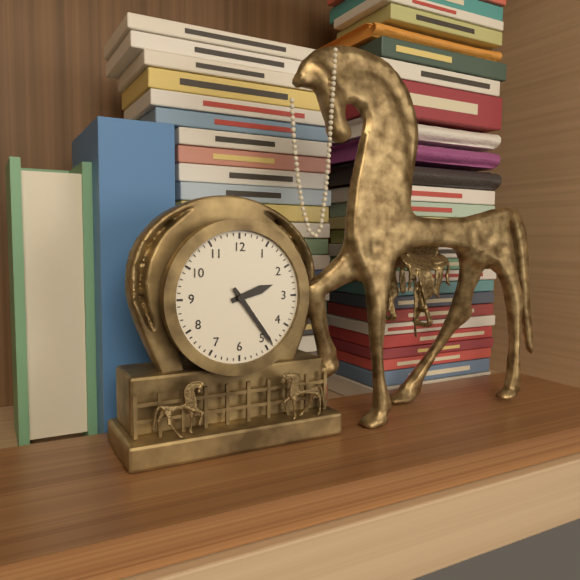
2h24
